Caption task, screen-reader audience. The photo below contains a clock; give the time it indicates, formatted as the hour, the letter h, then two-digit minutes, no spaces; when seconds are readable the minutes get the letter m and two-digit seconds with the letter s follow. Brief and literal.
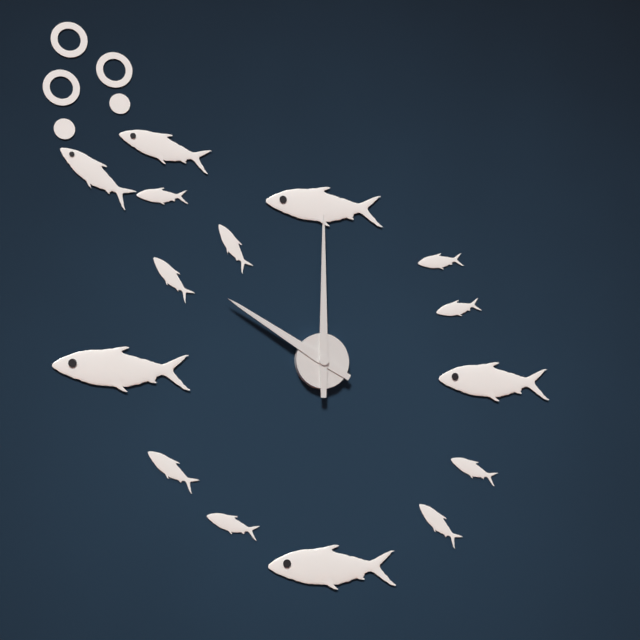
10h00
